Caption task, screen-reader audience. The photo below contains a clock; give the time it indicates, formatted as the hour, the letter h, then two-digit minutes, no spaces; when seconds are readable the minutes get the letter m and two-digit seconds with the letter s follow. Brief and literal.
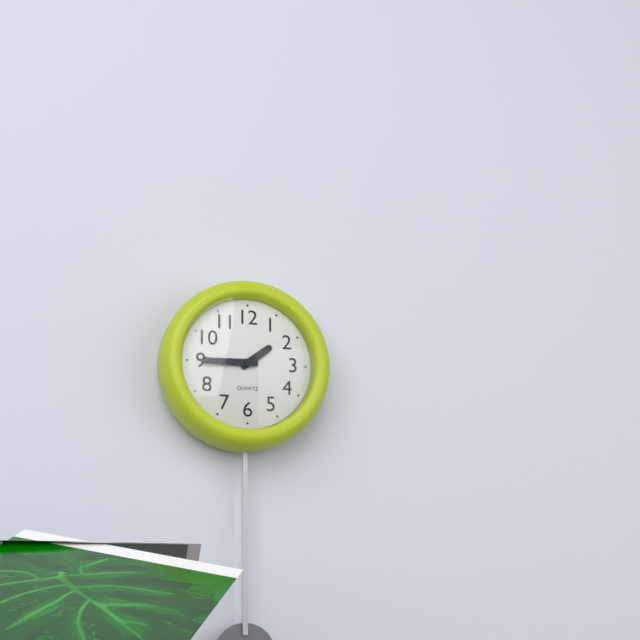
1h45
